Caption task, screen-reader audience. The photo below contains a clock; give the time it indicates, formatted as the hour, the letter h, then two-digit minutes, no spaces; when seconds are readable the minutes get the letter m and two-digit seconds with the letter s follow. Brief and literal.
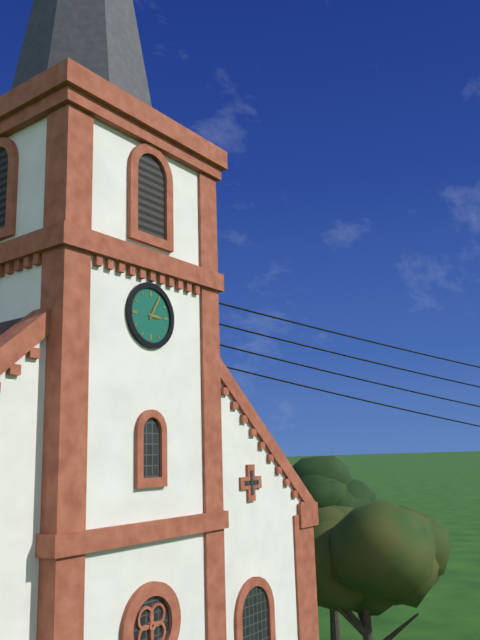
3h05
